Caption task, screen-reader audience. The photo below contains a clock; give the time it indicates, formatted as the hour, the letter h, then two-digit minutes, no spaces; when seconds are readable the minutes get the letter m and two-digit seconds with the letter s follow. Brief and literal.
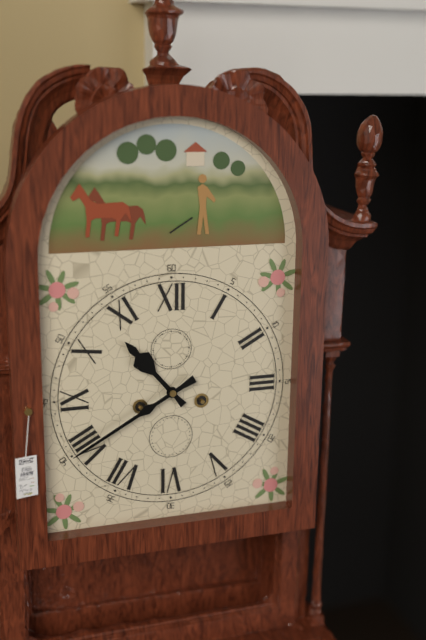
10h40
